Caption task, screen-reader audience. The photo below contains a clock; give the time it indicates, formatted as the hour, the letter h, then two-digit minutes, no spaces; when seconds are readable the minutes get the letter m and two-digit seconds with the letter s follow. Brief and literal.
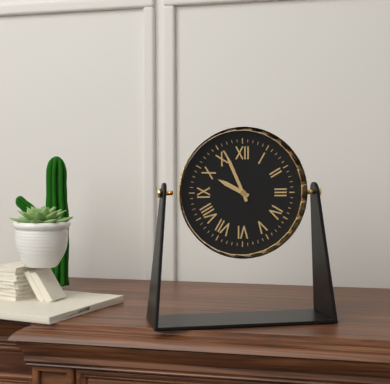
9h56
